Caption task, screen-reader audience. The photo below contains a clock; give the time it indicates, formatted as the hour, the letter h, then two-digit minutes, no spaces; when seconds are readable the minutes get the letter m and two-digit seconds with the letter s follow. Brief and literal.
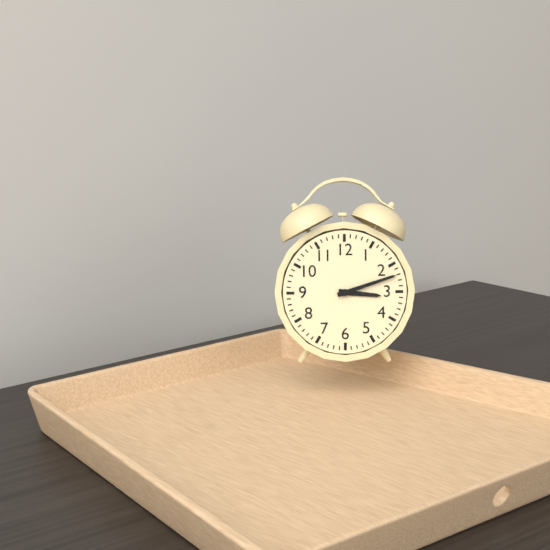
3h12
